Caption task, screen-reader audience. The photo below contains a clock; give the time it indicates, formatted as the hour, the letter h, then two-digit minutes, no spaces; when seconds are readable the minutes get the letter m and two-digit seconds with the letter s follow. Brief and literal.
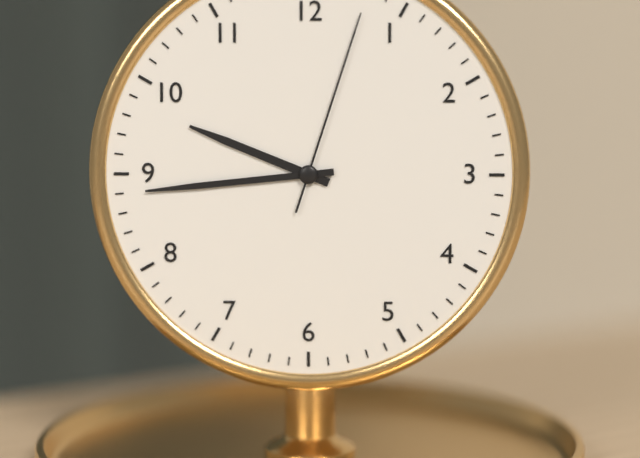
9h44m03s
